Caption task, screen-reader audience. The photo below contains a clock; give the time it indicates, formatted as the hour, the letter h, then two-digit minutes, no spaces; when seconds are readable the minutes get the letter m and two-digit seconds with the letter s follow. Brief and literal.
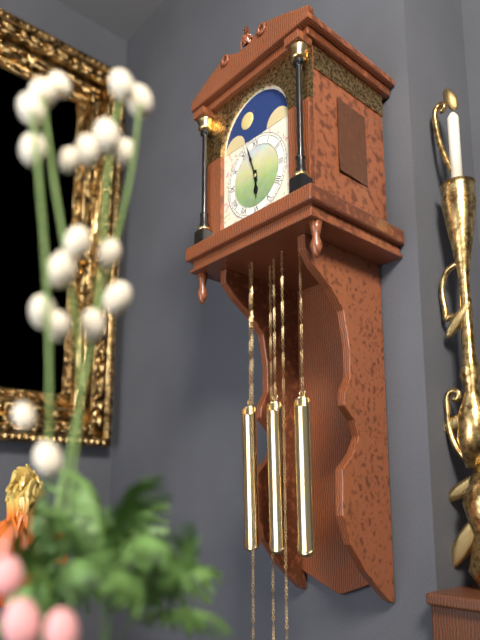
5h57
